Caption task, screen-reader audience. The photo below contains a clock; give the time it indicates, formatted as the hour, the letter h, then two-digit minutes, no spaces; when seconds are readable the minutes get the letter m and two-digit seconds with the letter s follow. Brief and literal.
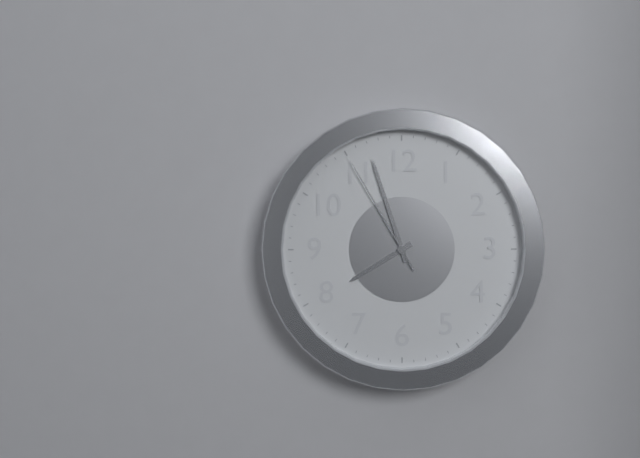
7h57m55s
